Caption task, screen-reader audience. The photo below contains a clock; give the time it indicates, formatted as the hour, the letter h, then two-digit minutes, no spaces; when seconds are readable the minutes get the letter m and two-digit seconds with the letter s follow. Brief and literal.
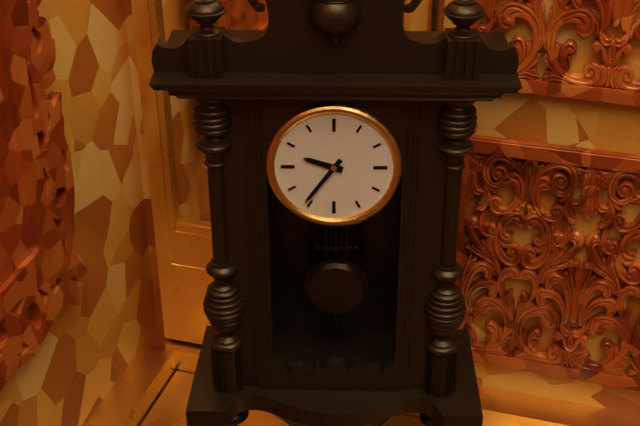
9h36
